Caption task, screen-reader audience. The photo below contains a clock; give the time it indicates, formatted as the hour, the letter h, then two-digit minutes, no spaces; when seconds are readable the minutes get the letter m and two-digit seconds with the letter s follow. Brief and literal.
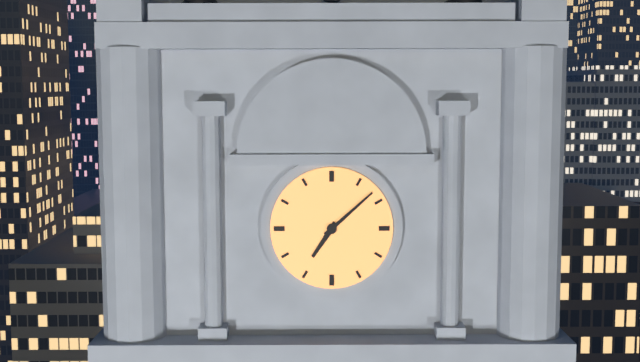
7h08
